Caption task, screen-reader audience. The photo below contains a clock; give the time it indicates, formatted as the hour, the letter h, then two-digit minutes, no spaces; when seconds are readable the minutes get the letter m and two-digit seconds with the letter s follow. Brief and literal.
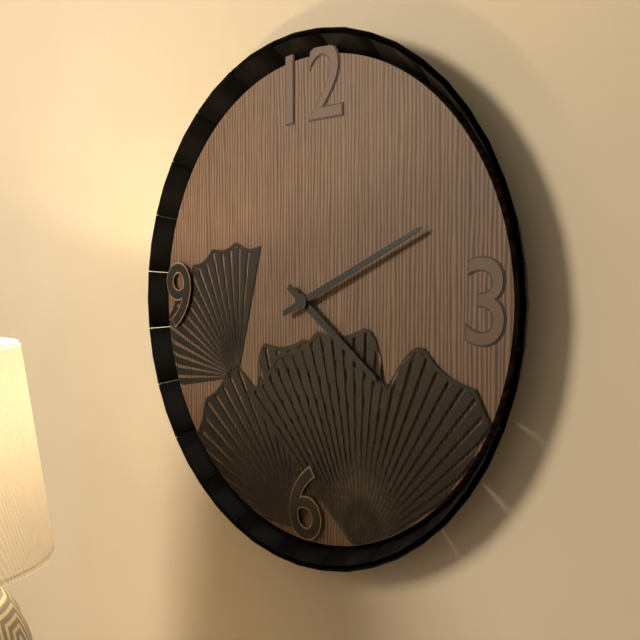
4h11
